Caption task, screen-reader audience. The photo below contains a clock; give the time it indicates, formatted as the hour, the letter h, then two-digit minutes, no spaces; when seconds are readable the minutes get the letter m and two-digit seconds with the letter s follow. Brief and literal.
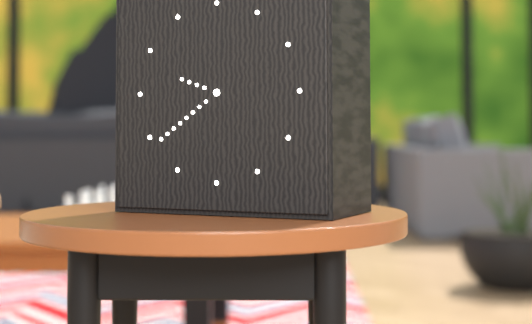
9h39
